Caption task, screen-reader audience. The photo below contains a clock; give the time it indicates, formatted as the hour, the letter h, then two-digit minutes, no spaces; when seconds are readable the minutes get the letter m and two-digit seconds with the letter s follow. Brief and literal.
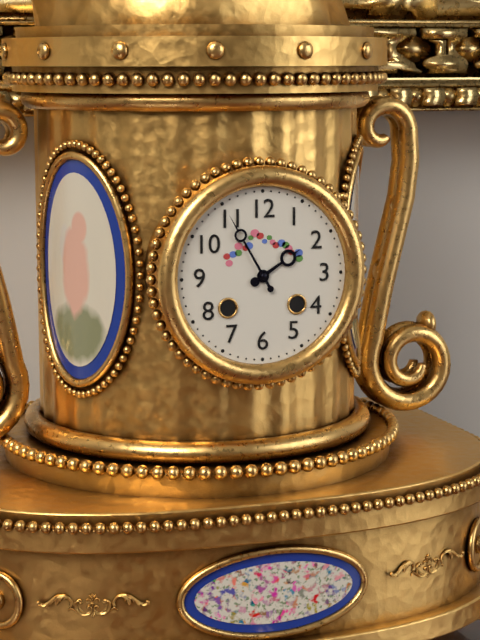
1h55
